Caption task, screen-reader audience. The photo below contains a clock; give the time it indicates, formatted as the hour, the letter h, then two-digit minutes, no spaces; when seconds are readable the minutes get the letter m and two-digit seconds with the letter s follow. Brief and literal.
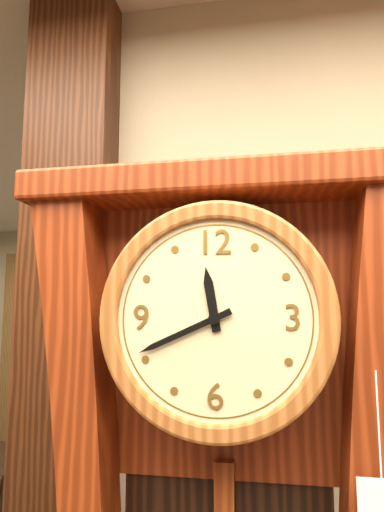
11h41
